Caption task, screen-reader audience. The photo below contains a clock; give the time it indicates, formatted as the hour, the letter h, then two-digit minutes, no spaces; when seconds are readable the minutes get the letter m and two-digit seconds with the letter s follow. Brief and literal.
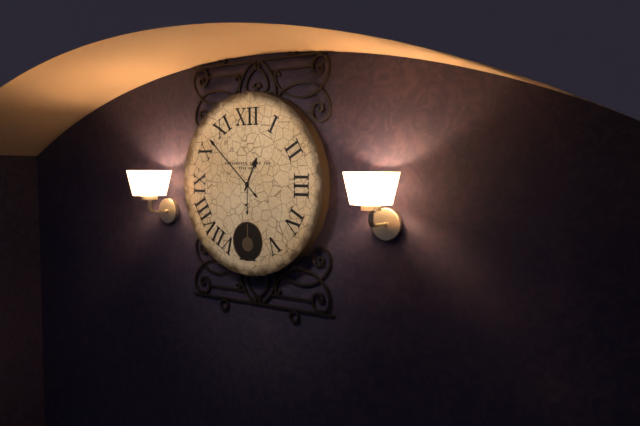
12h52
